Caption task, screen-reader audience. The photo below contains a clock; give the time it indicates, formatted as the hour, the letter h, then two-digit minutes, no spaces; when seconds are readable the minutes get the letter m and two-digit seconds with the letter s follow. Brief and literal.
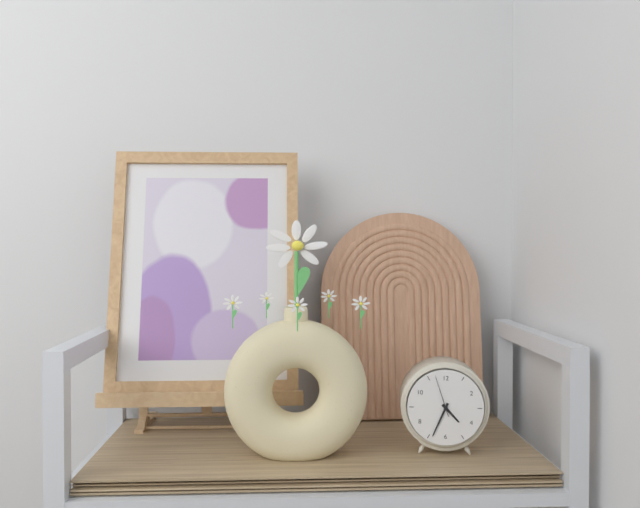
4h34
